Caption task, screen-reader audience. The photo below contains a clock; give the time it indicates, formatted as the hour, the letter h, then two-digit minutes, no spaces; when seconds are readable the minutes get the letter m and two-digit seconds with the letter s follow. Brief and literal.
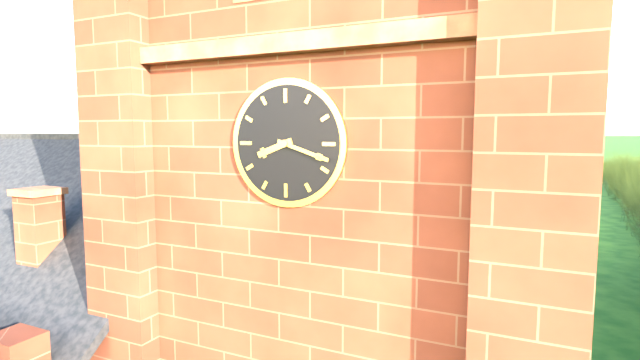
8h18
